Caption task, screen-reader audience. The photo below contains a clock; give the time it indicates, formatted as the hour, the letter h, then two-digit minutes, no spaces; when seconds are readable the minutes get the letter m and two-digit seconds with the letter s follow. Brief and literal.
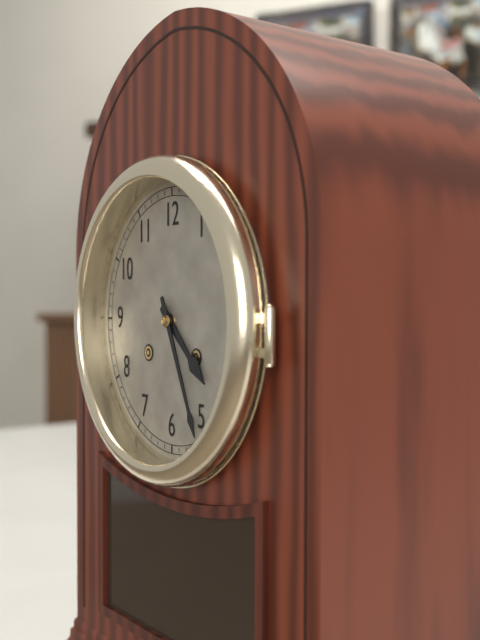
4h26
